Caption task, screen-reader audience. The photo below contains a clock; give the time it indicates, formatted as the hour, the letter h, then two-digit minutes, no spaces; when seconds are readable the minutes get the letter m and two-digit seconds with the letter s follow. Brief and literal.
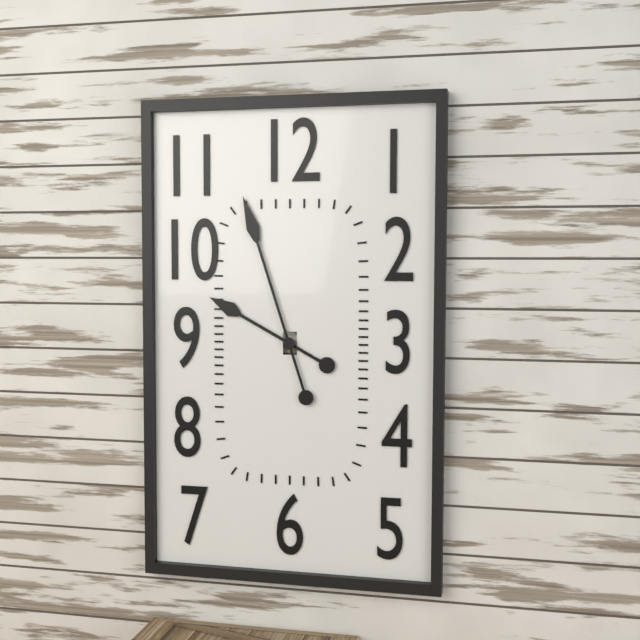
9h57
